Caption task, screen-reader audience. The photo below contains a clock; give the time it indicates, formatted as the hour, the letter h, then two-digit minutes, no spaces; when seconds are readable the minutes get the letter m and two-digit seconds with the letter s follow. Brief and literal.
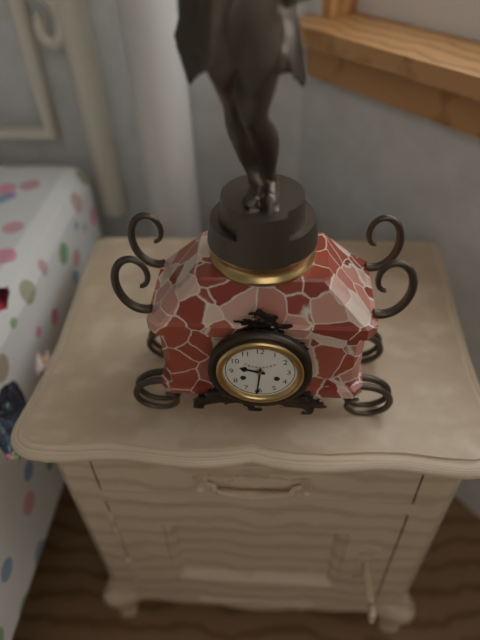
9h31
